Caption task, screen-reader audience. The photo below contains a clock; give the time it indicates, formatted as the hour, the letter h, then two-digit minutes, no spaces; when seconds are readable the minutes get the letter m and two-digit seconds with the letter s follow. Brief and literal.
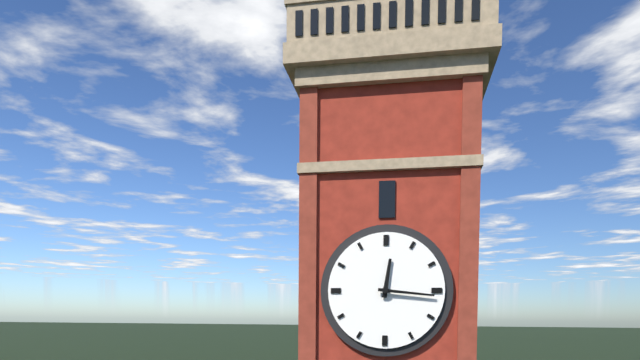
12h16
